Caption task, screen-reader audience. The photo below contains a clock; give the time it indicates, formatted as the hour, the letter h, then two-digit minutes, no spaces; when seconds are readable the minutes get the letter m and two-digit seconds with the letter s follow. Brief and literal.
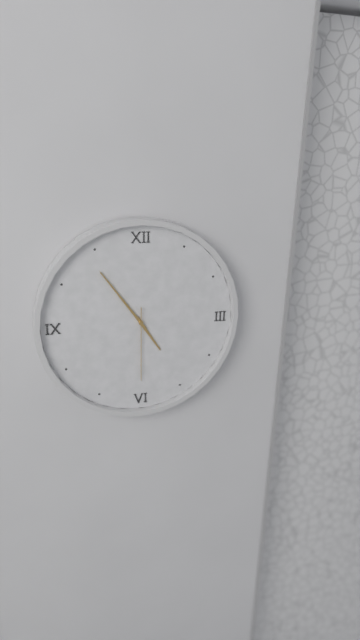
4h54m30s
